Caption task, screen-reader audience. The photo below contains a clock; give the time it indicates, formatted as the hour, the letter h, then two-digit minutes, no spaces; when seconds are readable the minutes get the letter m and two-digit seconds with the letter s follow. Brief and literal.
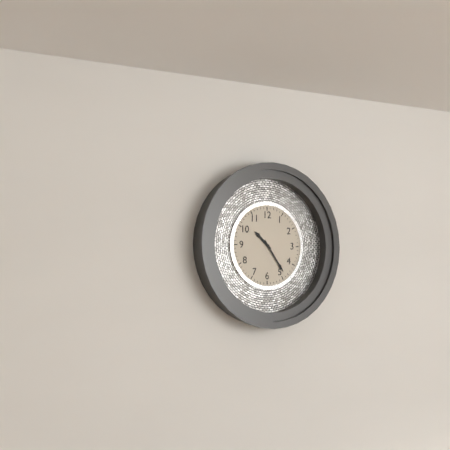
10h24
